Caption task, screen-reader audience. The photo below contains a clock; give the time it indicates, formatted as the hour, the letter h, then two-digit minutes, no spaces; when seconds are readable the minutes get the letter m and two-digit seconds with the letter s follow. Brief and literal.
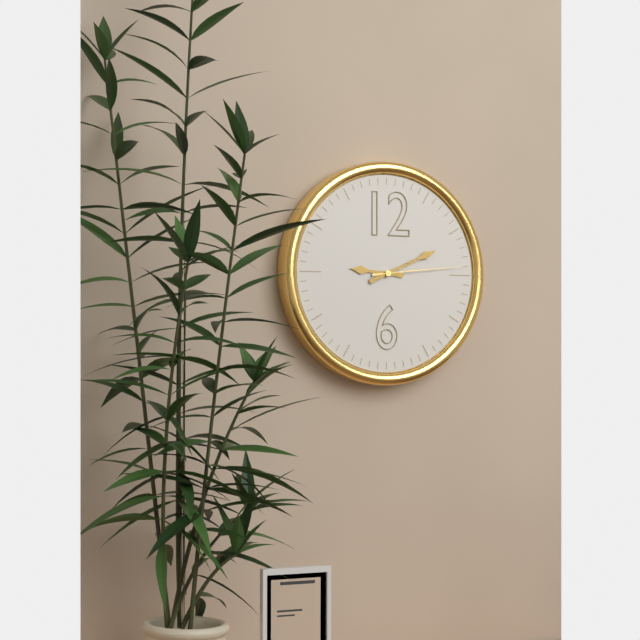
9h11m14s
